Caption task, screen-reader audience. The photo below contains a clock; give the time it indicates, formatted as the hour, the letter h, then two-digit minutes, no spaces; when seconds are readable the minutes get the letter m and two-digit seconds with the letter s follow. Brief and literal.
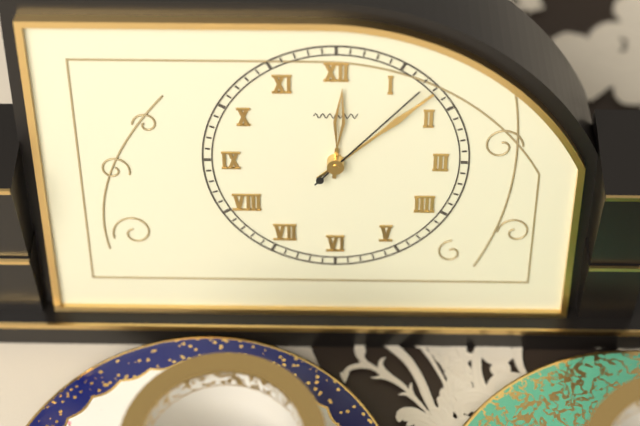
12h08m07s
